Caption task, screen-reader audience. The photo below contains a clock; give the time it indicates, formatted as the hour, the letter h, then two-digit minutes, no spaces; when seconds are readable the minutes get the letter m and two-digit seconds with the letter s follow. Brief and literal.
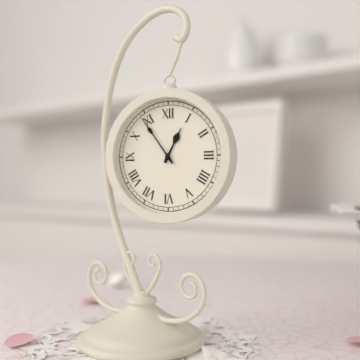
12h54
